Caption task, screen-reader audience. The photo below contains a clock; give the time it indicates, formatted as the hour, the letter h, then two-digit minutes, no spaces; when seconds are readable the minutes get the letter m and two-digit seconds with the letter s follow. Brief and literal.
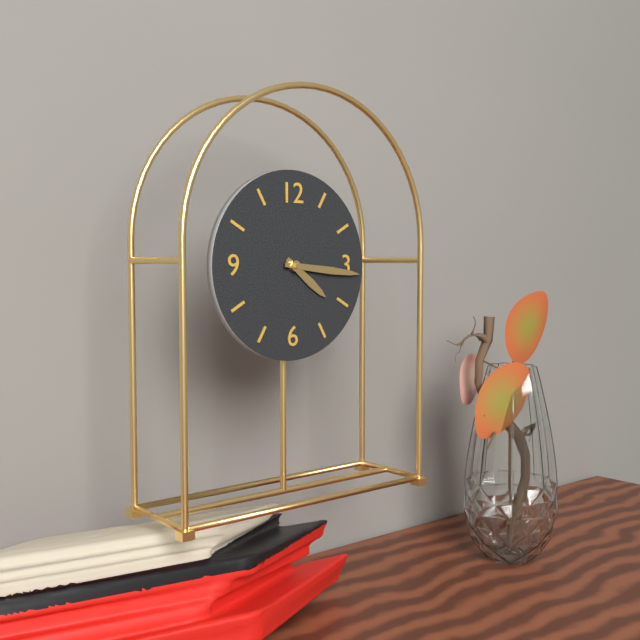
4h16
